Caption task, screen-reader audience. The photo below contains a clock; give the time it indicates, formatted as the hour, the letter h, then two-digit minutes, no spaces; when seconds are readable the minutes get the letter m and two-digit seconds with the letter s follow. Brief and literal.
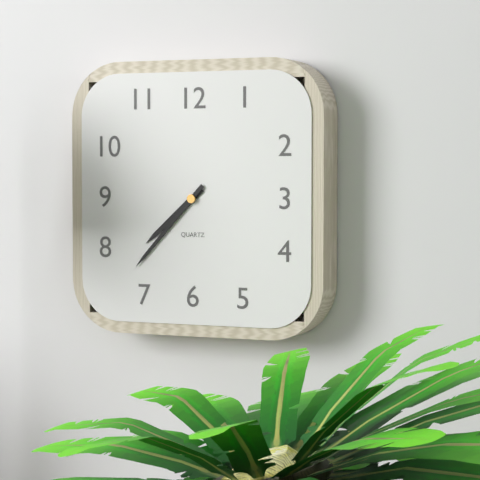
7h37
